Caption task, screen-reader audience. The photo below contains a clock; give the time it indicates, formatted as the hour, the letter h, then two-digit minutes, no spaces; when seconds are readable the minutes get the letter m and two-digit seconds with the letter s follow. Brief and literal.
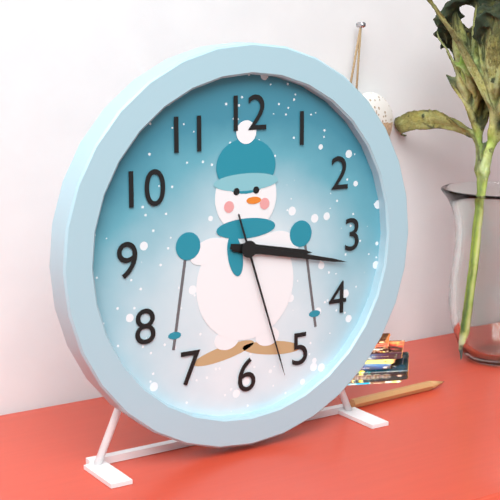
3h17m27s
